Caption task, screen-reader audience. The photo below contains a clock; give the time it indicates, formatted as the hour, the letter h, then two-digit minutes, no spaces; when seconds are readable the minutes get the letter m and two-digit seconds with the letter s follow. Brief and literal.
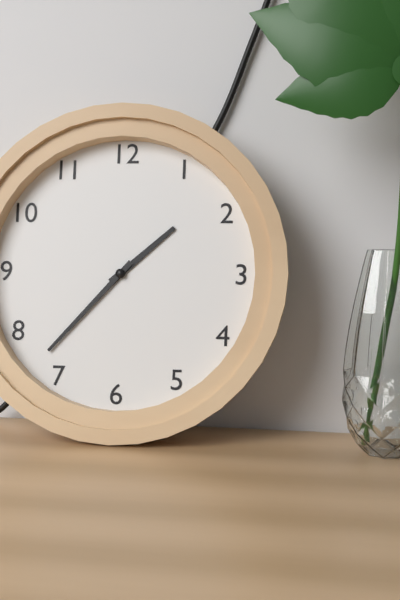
1h37
